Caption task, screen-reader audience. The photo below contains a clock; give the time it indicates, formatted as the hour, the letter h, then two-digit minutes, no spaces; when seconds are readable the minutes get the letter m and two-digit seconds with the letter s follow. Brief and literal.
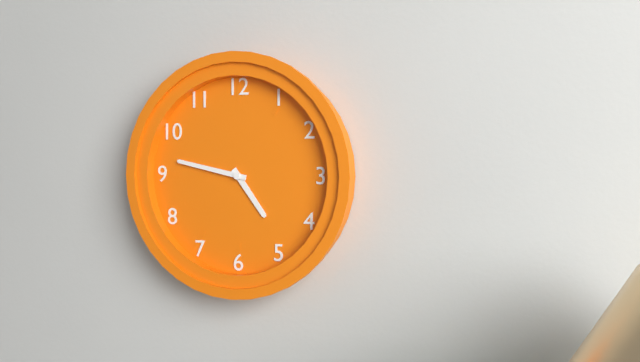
4h47
